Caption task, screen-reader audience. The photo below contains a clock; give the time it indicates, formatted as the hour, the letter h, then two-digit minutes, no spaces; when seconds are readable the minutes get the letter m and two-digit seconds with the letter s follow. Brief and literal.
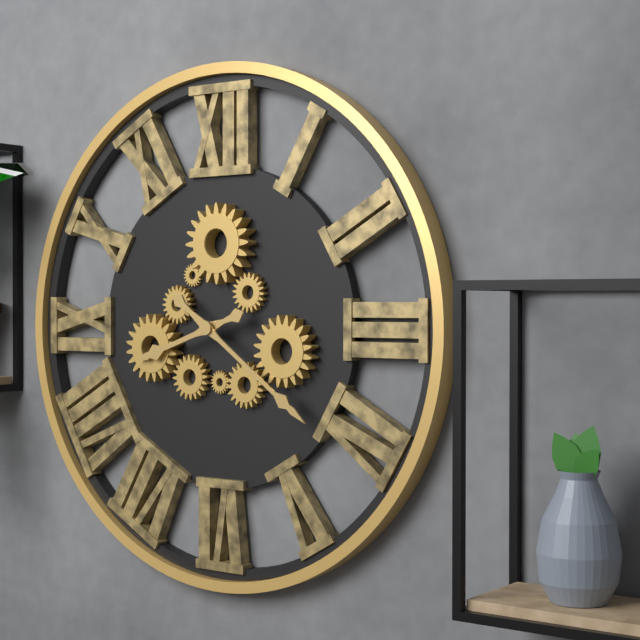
8h21
